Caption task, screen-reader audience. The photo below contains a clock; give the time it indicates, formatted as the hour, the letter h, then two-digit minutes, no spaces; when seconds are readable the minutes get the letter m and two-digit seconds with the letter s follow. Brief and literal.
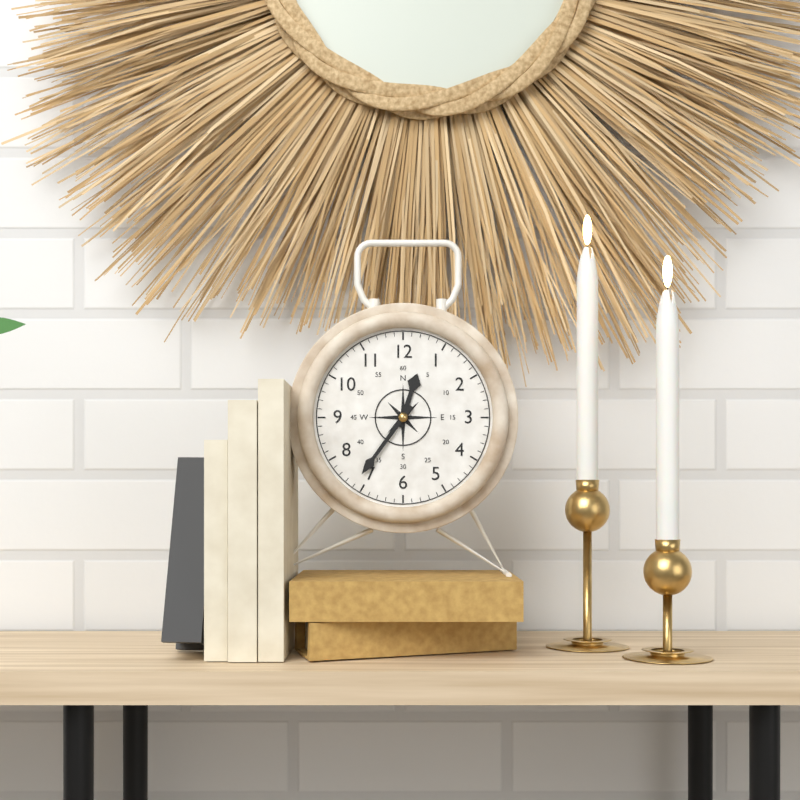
12h36
